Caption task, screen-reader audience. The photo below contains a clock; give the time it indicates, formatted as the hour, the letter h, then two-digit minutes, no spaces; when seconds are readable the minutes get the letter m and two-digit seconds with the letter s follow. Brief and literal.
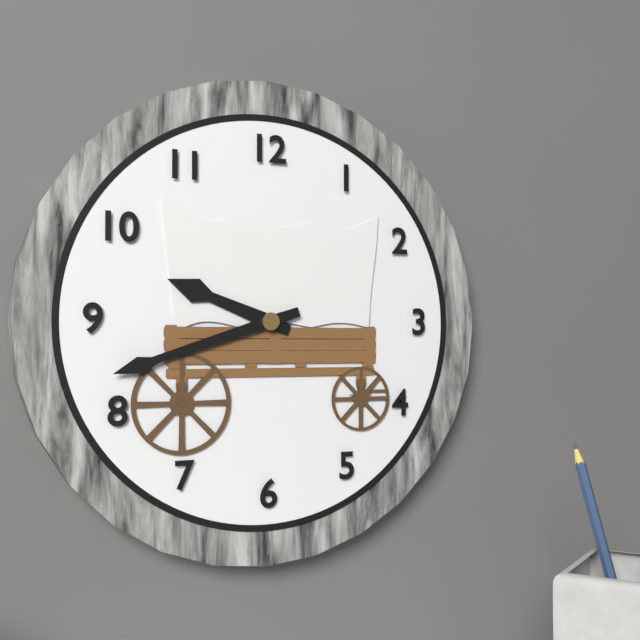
9h42
